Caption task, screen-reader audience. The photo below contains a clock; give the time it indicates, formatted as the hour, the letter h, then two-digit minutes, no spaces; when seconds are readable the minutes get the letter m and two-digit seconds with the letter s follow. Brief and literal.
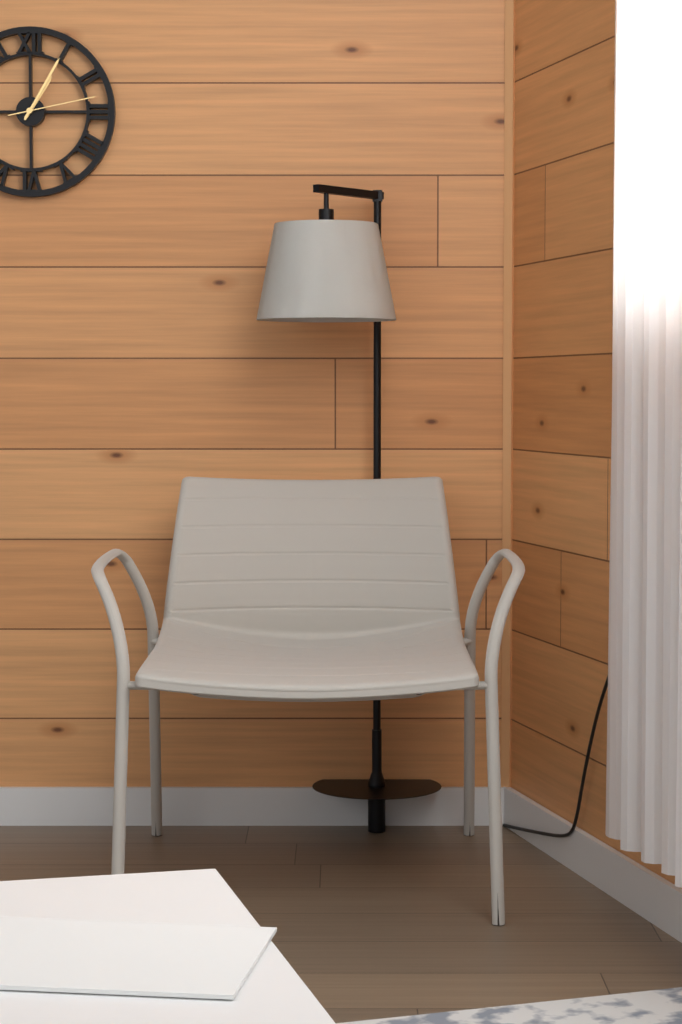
1h05m13s
